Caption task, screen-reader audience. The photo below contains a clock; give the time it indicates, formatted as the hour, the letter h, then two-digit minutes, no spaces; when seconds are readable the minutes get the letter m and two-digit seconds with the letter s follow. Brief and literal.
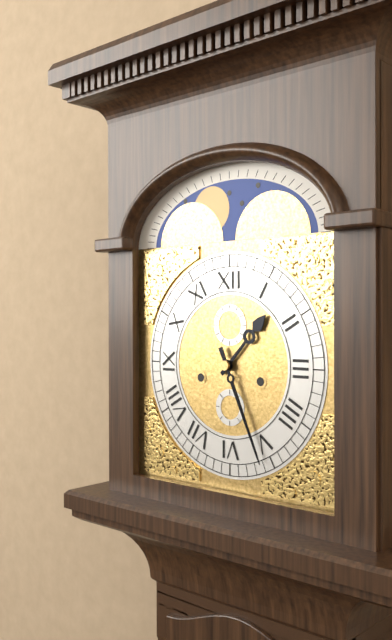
1h26
